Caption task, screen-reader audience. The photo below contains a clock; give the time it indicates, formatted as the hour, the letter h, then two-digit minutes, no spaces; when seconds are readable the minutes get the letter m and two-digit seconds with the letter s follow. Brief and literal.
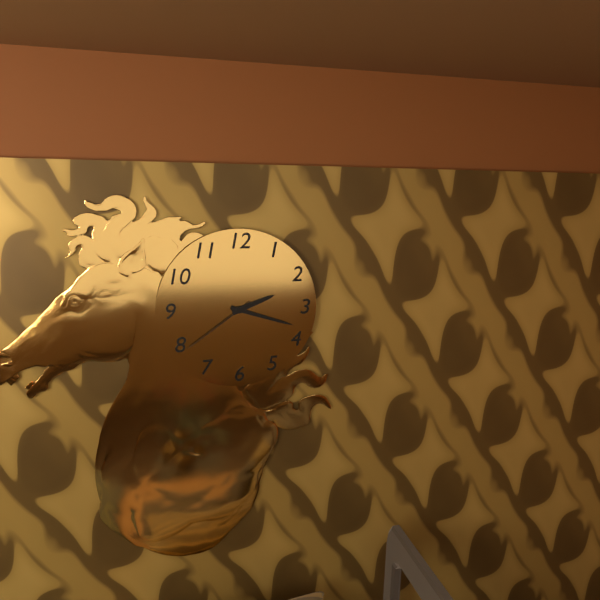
2h18m39s
